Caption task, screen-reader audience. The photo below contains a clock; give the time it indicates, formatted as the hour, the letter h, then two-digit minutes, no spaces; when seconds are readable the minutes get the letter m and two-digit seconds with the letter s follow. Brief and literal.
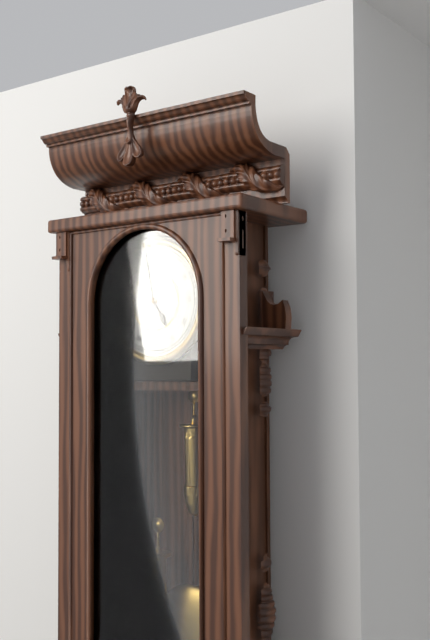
4h58
